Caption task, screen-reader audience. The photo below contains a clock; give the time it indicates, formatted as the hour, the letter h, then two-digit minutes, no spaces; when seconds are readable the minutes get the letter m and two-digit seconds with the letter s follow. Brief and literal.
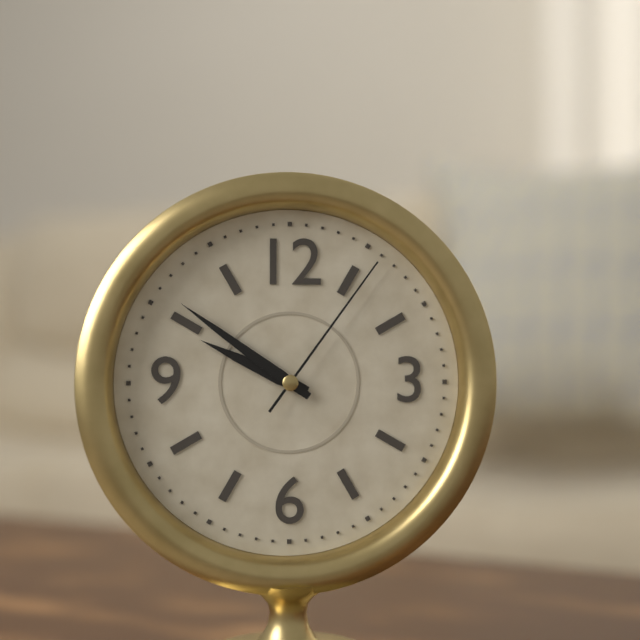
9h51m06s
